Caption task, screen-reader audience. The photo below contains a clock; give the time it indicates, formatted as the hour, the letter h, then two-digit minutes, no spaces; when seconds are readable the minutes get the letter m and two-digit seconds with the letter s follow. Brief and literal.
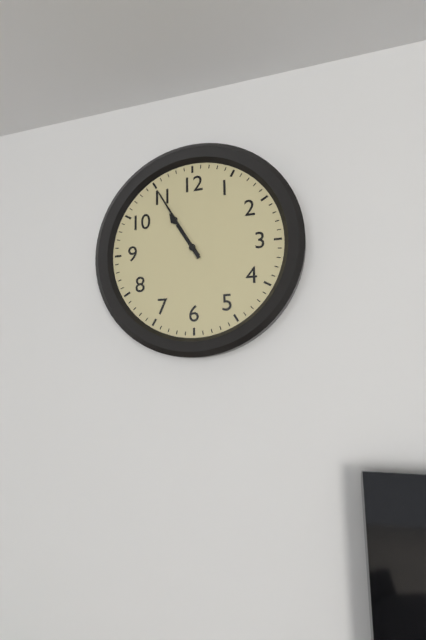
10h55
